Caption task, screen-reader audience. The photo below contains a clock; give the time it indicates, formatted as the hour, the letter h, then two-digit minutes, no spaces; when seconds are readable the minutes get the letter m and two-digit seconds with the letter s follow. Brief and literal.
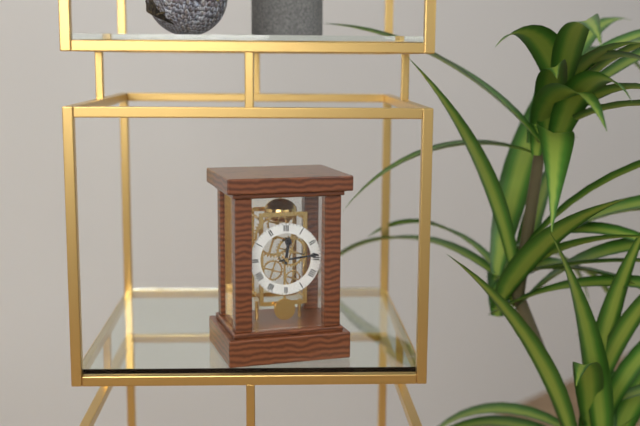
12h14
